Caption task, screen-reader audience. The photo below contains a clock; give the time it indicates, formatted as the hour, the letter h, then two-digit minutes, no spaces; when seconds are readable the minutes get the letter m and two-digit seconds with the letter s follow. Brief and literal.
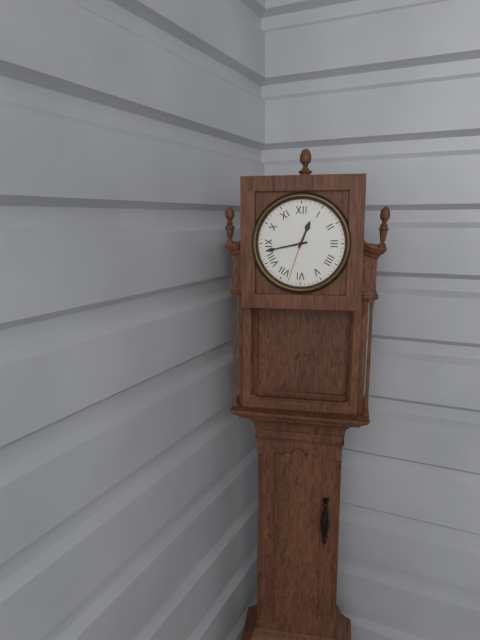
12h43
